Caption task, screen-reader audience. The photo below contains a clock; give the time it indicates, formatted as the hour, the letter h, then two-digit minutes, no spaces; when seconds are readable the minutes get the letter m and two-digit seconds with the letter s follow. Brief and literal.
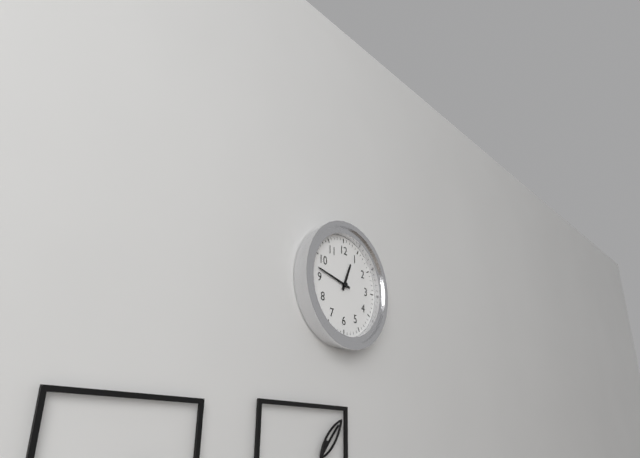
12h47
